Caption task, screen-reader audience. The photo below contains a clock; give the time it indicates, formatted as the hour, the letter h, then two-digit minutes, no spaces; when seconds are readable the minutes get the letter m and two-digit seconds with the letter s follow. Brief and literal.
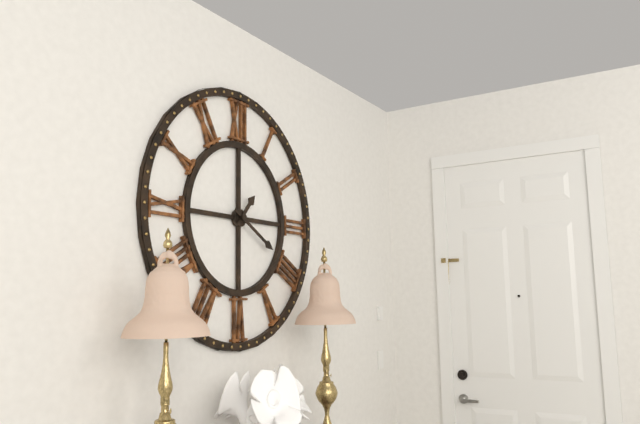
1h20
